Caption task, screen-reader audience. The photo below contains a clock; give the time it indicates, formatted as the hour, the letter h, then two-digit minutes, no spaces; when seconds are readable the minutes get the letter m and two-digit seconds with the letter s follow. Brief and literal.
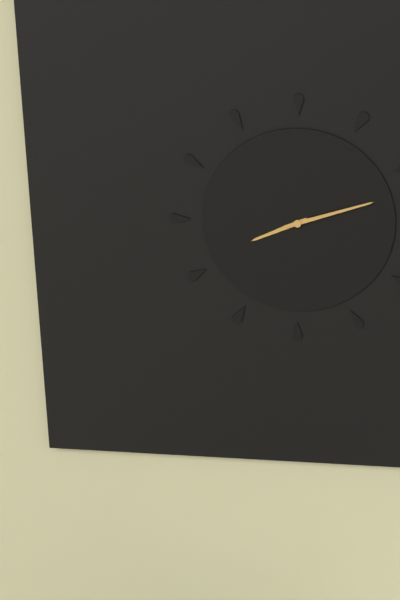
8h12
